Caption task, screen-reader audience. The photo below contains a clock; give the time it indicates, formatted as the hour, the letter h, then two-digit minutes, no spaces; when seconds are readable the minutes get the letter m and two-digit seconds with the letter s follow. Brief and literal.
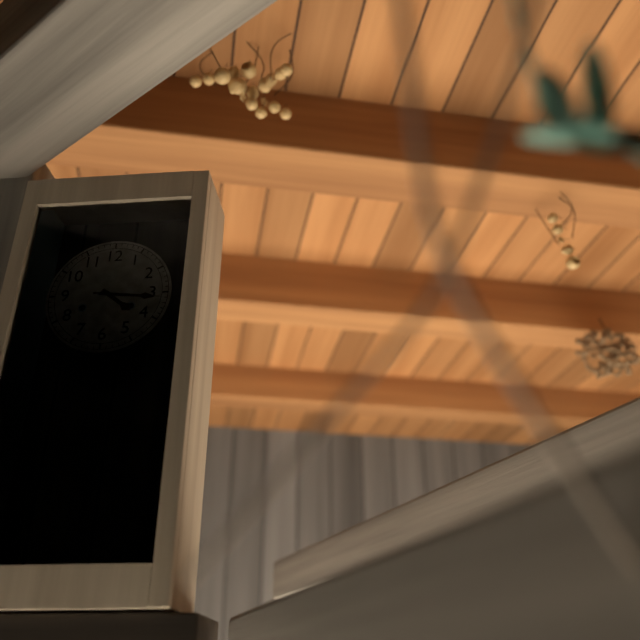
4h16m16s
